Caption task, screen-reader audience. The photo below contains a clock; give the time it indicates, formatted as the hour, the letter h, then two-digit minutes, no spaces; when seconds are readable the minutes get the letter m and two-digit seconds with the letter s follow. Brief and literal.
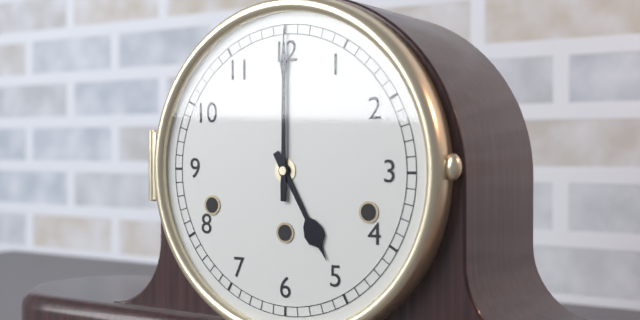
5h00
